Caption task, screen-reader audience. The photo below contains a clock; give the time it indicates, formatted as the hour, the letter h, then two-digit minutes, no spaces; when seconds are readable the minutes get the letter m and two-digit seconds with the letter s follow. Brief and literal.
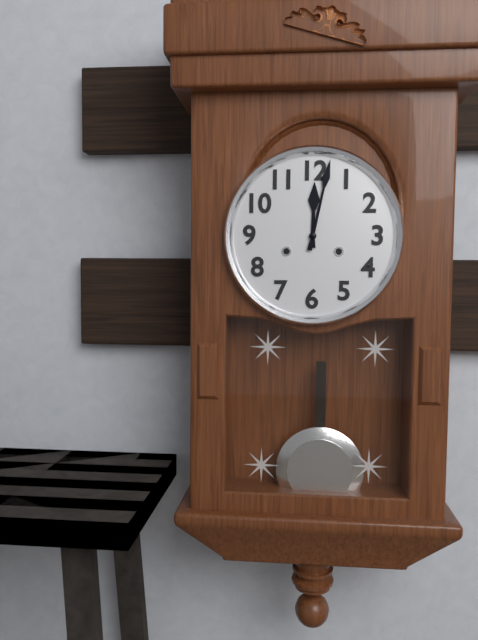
12h02
